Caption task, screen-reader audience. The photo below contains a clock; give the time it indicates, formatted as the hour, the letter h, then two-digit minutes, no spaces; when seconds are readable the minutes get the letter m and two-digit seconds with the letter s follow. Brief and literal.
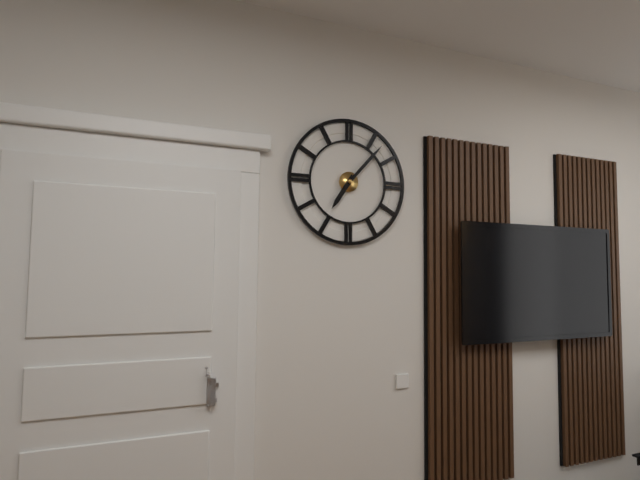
7h07
